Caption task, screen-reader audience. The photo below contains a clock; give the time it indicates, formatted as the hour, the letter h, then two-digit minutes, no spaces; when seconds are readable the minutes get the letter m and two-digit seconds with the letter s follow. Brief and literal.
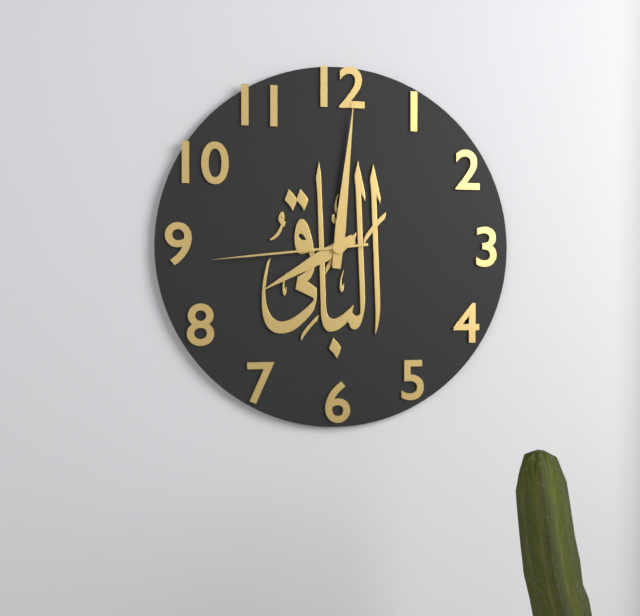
8h01m44s
